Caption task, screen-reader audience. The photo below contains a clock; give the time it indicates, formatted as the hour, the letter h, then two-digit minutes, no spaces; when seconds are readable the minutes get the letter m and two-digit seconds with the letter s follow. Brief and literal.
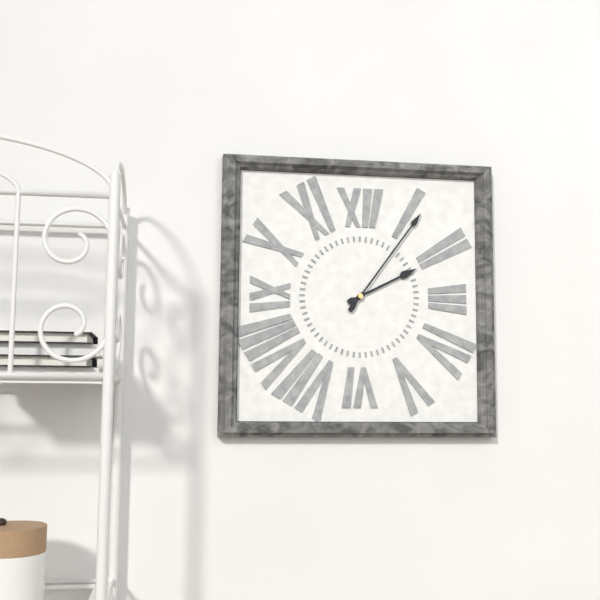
2h06
